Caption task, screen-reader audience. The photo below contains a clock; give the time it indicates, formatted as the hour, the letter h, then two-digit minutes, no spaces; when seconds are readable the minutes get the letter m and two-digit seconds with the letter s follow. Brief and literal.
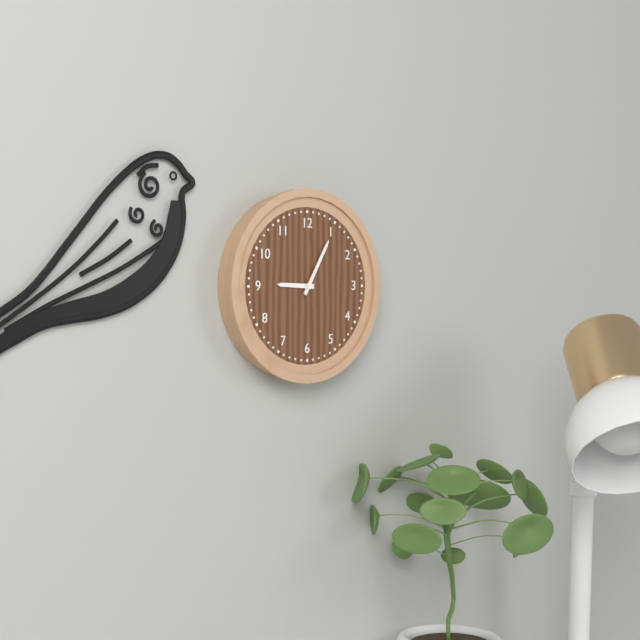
9h05
